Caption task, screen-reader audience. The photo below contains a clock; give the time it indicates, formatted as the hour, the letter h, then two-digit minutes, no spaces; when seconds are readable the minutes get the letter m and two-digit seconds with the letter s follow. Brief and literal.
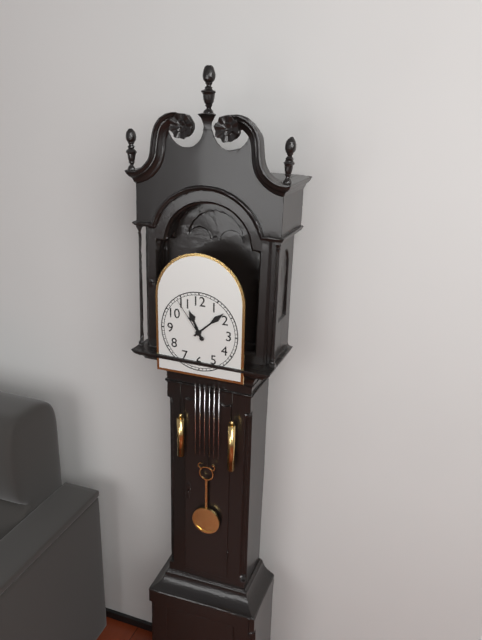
11h08
